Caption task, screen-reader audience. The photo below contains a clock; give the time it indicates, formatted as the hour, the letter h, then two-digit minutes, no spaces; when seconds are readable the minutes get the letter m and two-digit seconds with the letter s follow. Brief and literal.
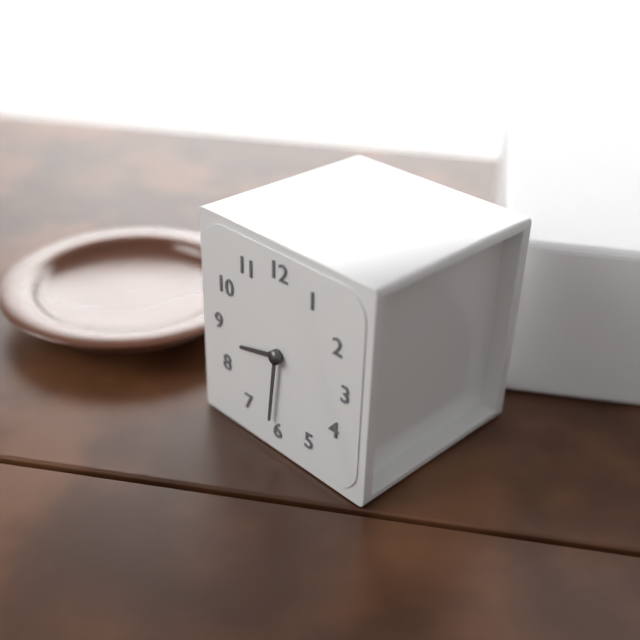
8h31
